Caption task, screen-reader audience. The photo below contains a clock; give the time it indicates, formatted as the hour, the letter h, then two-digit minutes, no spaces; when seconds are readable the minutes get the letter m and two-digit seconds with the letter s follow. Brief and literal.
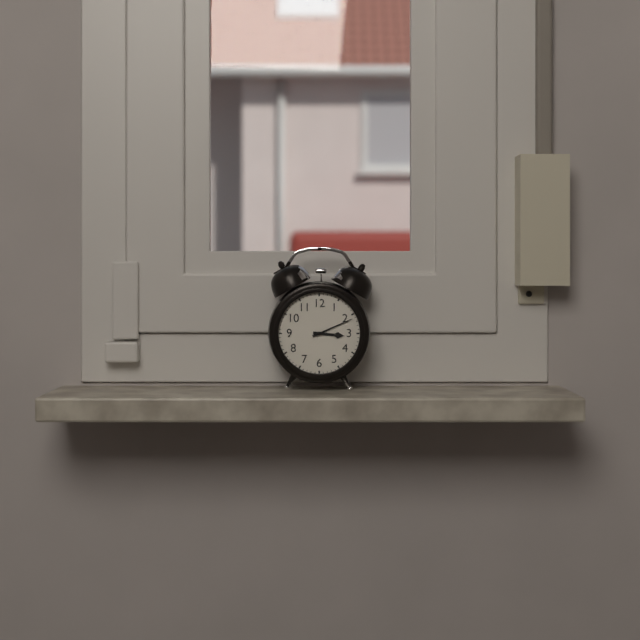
3h11
